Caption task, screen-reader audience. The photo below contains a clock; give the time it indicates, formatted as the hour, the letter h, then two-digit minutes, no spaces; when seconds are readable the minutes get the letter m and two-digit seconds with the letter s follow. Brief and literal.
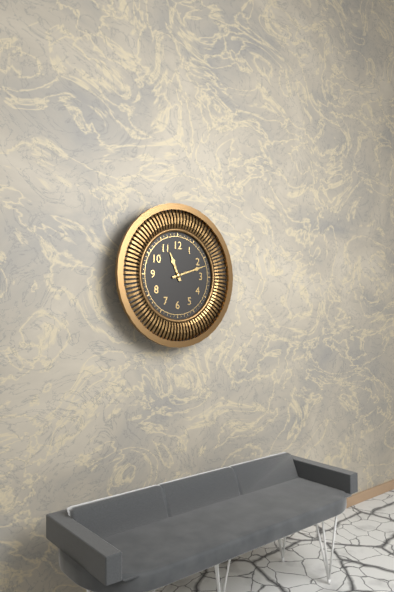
11h12
